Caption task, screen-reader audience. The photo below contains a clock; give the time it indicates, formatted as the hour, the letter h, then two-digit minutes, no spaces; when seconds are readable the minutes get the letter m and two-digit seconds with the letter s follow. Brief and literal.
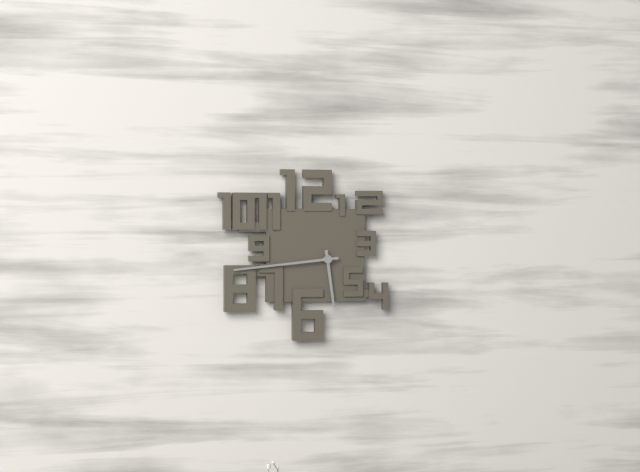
5h44
